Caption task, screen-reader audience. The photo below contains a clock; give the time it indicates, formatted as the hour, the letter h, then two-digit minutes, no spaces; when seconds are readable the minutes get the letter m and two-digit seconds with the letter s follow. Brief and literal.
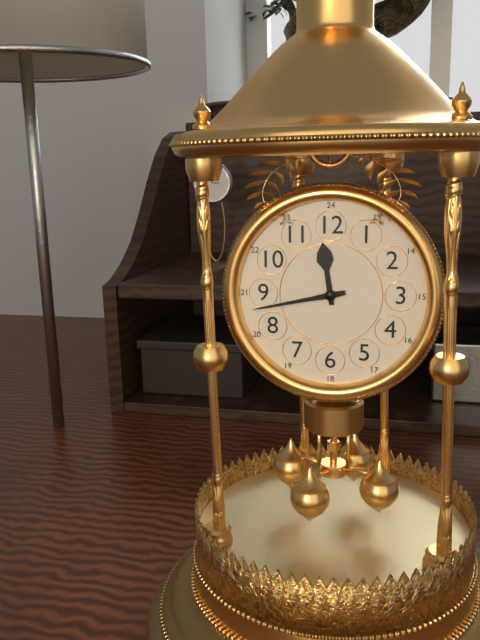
11h43
